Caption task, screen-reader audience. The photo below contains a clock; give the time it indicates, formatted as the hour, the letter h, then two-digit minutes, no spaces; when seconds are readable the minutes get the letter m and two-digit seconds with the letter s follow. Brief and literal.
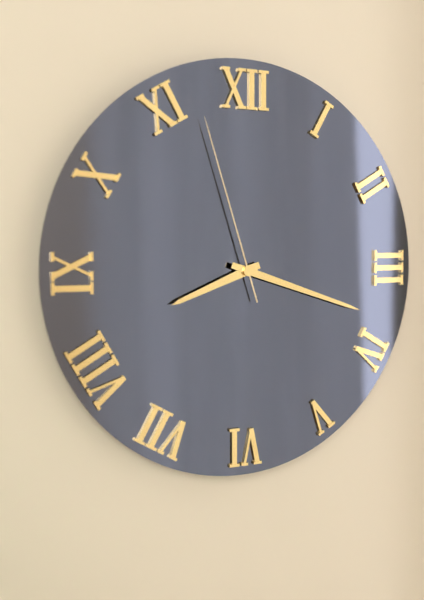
8h18m57s
